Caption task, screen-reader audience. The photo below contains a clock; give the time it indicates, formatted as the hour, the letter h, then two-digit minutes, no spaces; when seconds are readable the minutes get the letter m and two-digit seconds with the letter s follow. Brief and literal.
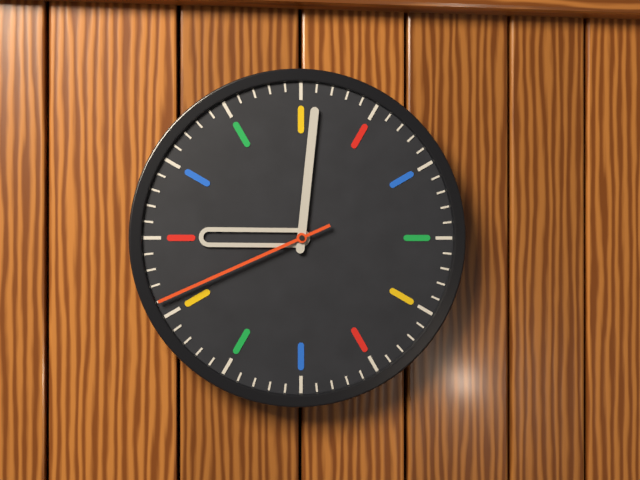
9h01m41s
